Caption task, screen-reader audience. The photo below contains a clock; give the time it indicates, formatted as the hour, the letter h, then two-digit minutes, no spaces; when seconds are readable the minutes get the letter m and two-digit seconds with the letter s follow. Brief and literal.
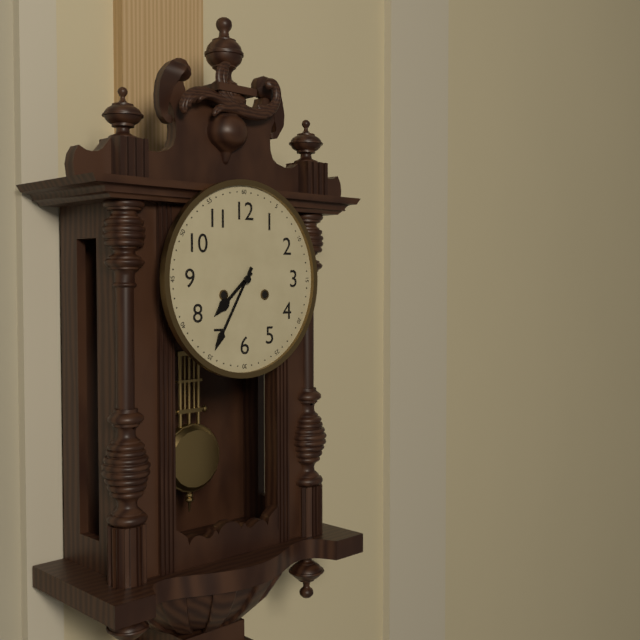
7h35
